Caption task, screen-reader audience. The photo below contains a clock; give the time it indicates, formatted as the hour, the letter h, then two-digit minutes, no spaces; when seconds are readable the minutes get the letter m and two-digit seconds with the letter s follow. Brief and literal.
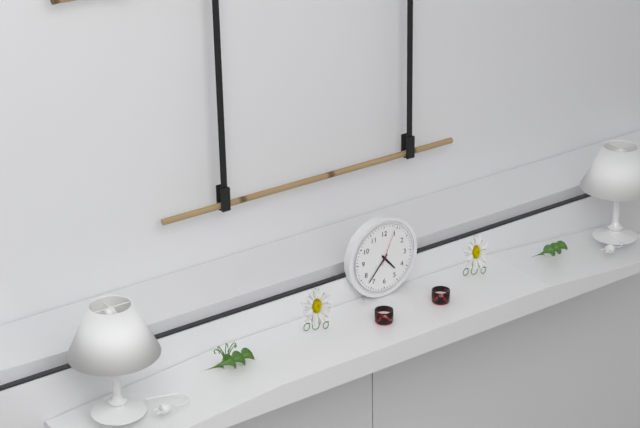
4h37
